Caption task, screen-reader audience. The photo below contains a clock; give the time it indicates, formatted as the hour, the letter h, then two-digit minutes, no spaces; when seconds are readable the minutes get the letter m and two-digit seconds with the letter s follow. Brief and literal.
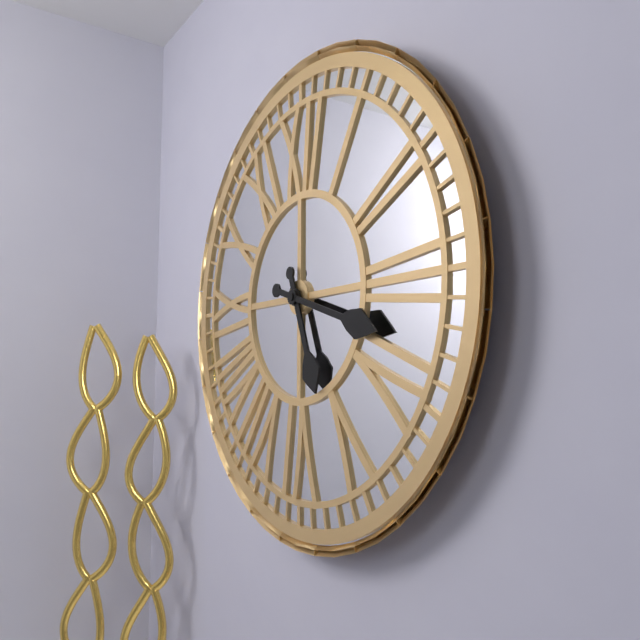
5h18
